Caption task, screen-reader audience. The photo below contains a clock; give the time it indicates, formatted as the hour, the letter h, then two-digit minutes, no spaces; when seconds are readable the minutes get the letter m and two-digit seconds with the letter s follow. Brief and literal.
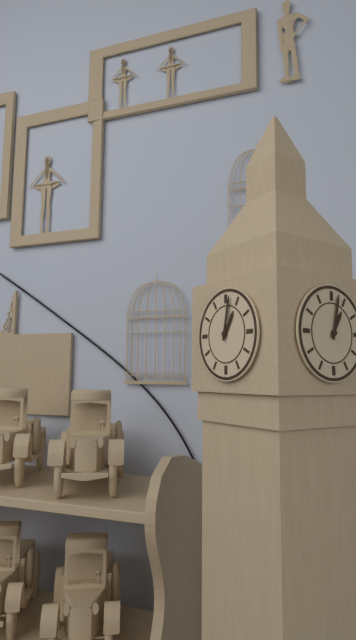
1h02
